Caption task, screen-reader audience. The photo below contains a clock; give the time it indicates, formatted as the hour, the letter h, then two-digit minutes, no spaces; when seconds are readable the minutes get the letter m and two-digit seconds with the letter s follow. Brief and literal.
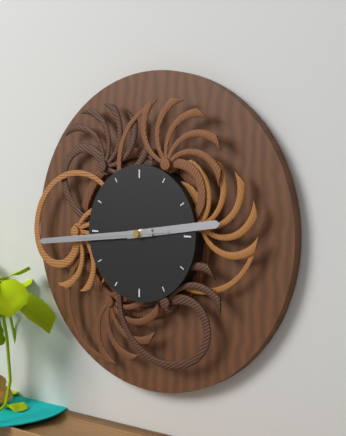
2h44m44s
